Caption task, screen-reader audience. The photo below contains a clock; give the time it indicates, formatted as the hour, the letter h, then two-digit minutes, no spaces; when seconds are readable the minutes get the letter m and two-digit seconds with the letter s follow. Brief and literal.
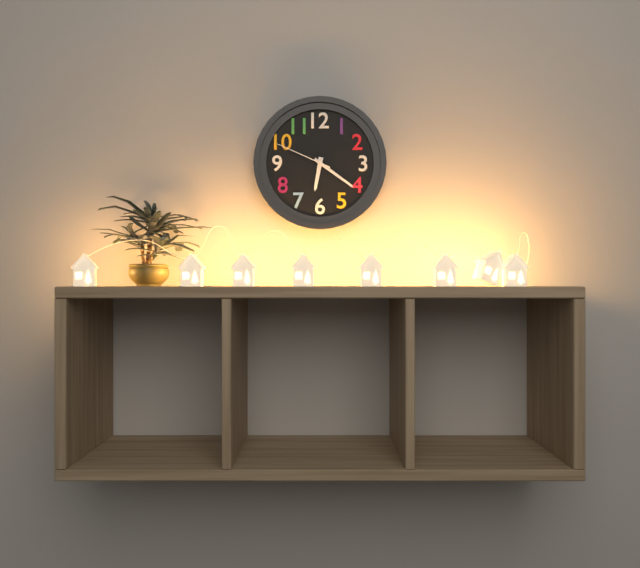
6h21m49s
